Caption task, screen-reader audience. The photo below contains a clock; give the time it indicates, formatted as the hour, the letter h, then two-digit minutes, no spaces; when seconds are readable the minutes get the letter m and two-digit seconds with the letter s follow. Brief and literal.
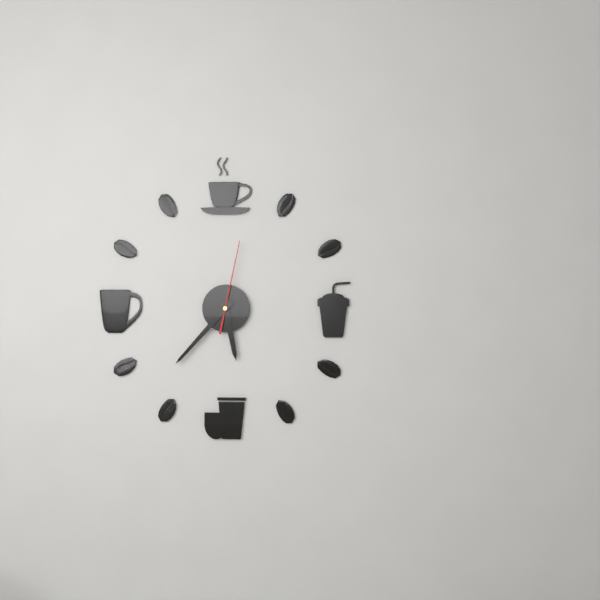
5h37m02s
